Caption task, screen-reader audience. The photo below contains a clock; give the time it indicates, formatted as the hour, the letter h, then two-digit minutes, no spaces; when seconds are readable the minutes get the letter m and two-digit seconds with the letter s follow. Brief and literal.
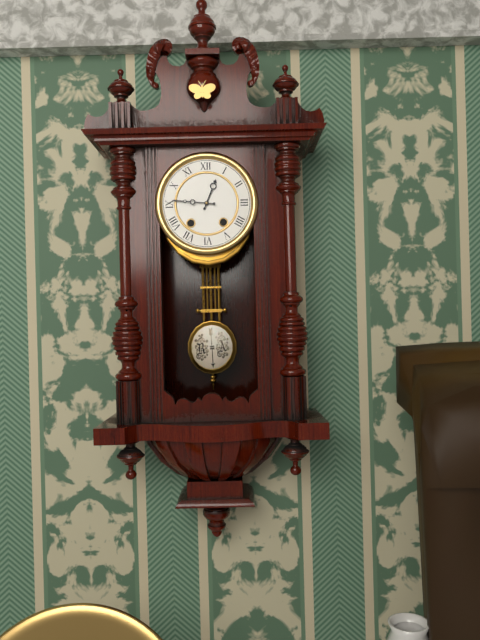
12h46
